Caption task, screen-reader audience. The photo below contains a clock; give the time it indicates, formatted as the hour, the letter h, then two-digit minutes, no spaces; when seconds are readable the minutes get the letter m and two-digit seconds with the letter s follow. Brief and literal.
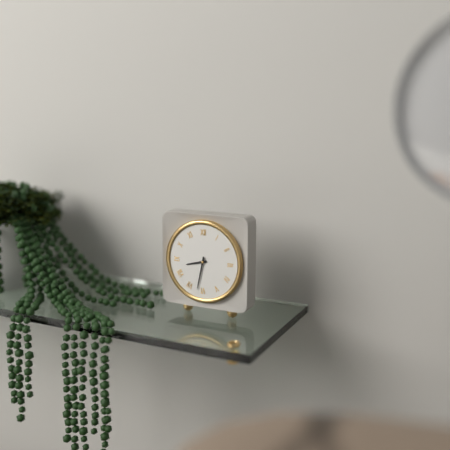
8h32
